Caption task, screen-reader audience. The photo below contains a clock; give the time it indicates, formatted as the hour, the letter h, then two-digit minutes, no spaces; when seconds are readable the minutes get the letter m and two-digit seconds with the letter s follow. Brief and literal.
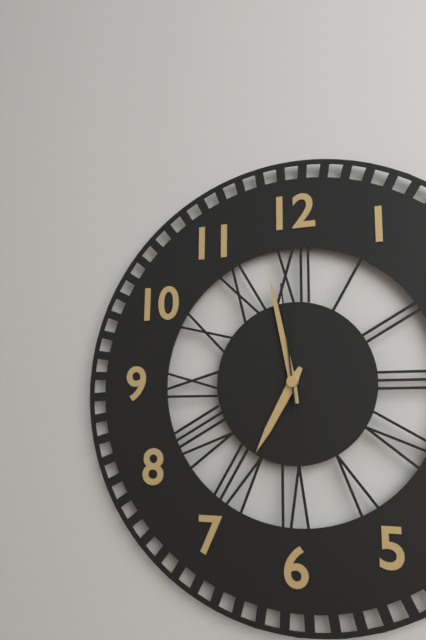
6h58m59s
